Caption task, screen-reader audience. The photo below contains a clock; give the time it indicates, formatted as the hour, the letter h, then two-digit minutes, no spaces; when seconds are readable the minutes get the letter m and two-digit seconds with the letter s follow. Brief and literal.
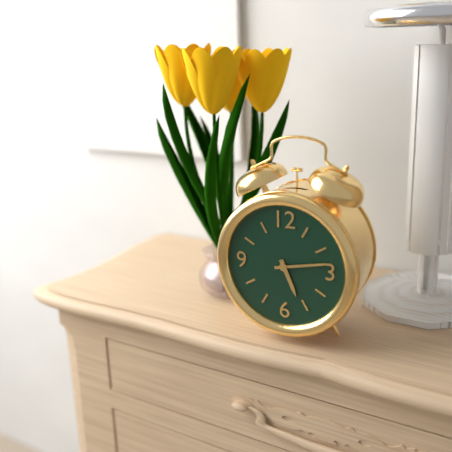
5h13
